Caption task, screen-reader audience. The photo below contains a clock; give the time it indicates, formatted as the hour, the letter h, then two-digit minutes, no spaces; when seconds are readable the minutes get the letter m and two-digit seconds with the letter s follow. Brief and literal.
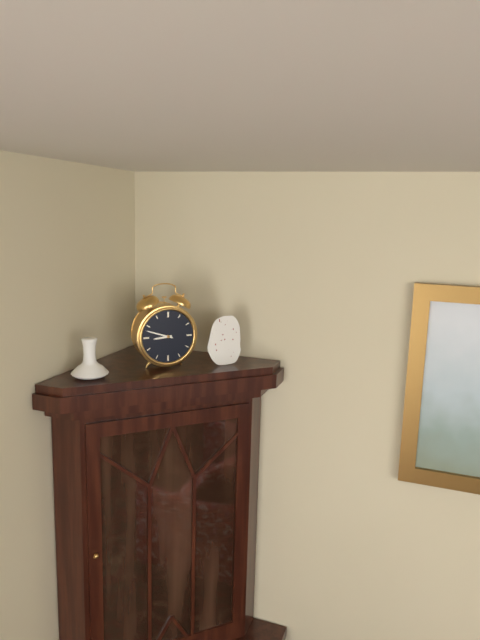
8h48
